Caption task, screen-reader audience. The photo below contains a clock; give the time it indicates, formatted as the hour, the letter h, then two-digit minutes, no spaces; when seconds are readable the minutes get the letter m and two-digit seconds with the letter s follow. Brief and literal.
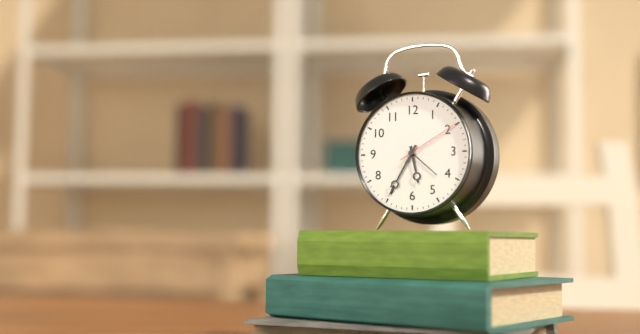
5h35m10s
